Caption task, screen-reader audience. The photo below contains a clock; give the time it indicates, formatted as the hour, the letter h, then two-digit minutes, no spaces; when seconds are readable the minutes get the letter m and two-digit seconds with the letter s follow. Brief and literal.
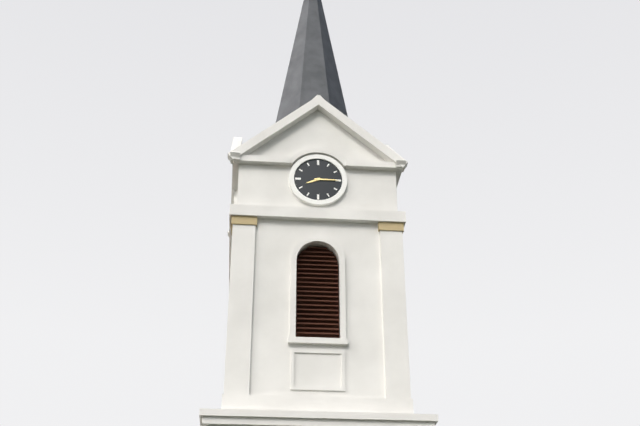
8h15
